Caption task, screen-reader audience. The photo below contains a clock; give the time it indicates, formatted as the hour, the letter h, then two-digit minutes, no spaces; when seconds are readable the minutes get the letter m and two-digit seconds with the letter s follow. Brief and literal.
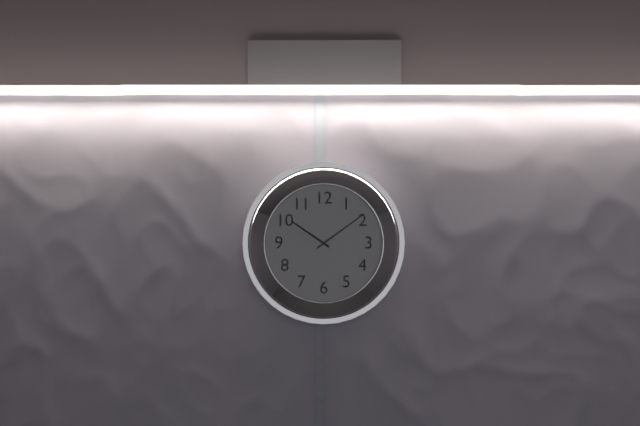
10h09
